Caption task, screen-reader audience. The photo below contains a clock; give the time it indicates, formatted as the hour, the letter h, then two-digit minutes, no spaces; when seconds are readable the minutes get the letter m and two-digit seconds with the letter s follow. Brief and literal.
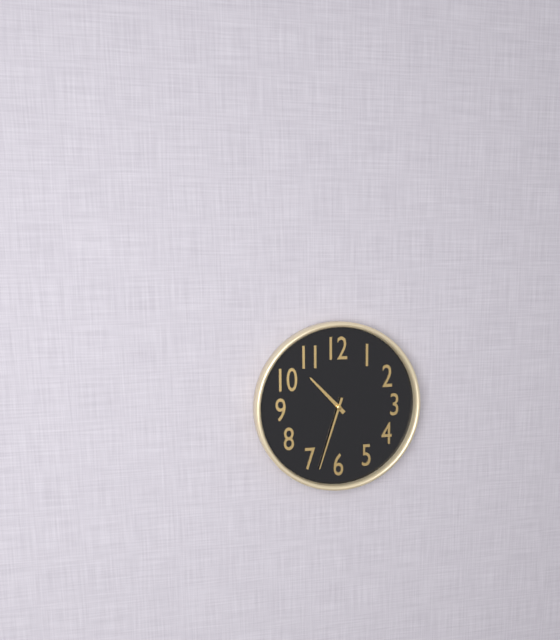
10h33
